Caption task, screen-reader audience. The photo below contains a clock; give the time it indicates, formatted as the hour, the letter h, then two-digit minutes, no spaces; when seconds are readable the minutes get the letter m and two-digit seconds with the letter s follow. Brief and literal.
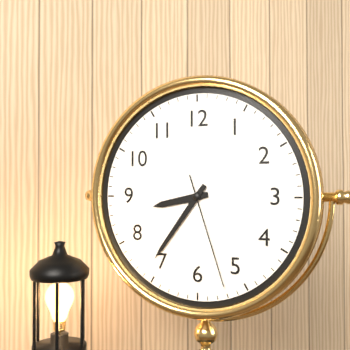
8h36m27s
